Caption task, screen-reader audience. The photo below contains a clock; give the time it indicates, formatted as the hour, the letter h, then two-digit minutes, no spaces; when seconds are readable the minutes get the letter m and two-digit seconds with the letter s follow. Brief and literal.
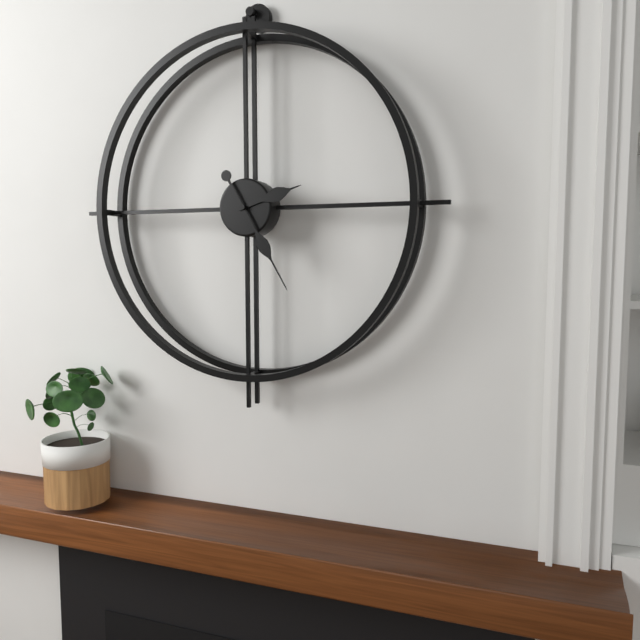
2h25
